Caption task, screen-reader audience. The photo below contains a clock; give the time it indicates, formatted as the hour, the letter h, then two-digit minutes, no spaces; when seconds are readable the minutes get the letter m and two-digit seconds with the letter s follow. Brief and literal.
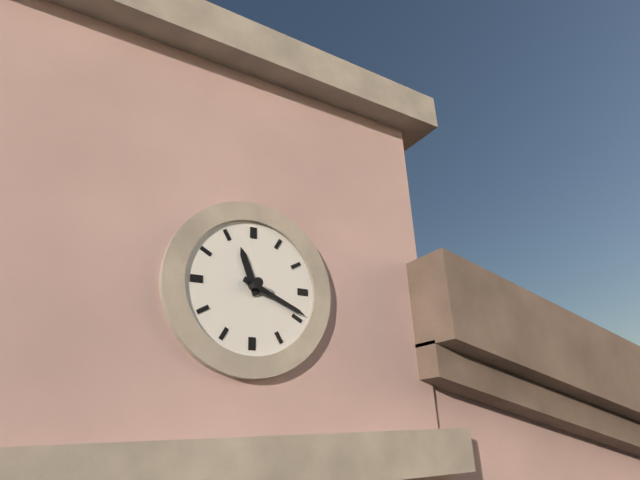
11h19
